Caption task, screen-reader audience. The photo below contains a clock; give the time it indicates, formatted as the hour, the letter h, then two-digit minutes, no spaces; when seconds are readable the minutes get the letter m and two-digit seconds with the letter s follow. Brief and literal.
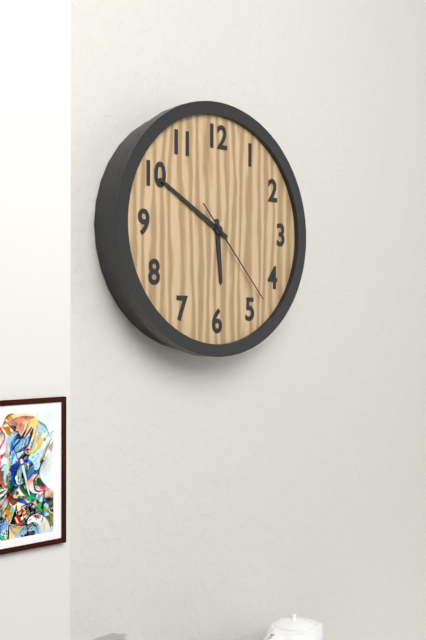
5h50m23s
